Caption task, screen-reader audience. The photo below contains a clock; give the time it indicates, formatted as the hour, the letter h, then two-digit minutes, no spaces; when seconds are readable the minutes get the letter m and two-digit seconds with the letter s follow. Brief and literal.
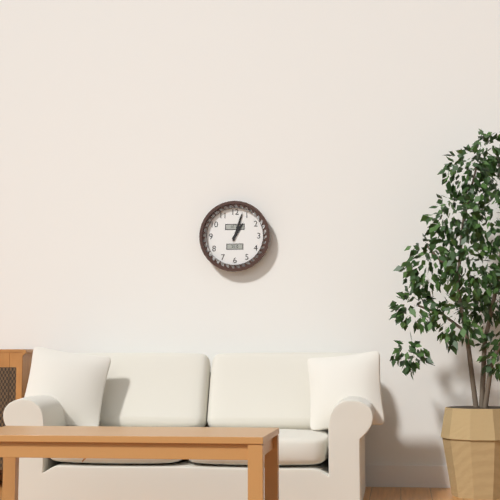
1h03
